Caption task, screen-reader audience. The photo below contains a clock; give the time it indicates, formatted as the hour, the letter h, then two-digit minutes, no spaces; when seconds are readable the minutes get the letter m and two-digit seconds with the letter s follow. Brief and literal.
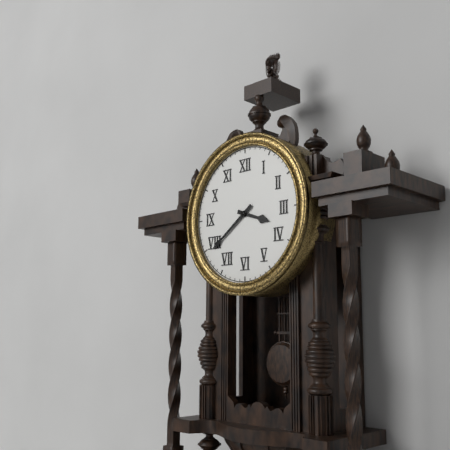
3h39
